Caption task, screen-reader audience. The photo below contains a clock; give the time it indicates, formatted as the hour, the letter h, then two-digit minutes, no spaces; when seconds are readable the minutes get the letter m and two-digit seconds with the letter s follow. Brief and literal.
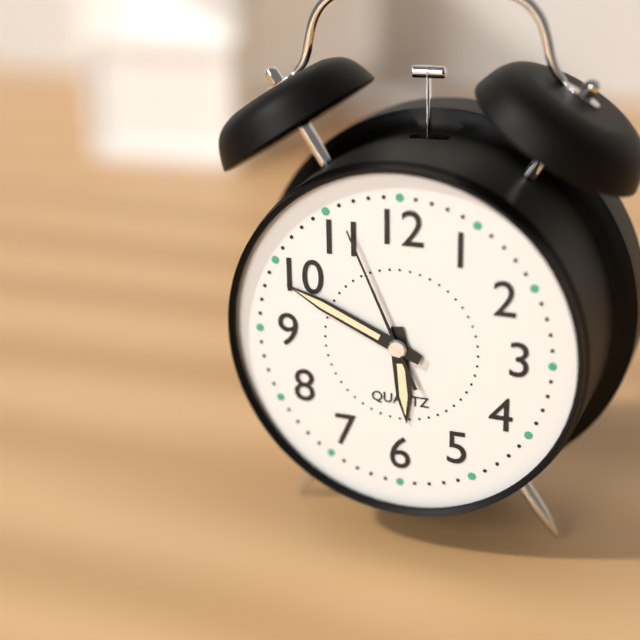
5h49m56s
